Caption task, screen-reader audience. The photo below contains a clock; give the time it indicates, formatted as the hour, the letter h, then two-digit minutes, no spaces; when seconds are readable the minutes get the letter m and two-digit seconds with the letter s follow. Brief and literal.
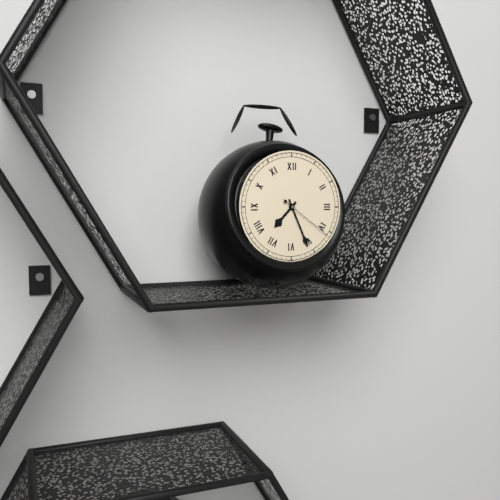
7h26m21s
